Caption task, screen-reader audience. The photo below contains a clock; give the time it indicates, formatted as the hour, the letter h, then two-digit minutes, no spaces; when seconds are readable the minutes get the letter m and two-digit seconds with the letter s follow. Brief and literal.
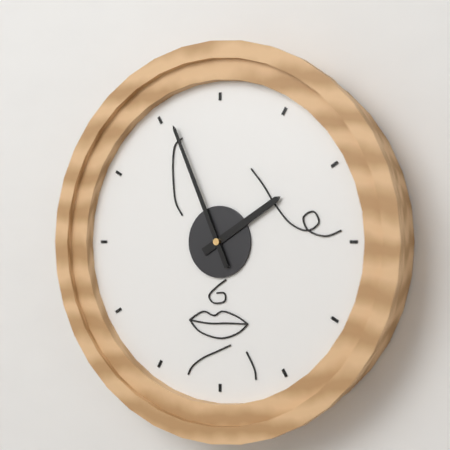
1h56
